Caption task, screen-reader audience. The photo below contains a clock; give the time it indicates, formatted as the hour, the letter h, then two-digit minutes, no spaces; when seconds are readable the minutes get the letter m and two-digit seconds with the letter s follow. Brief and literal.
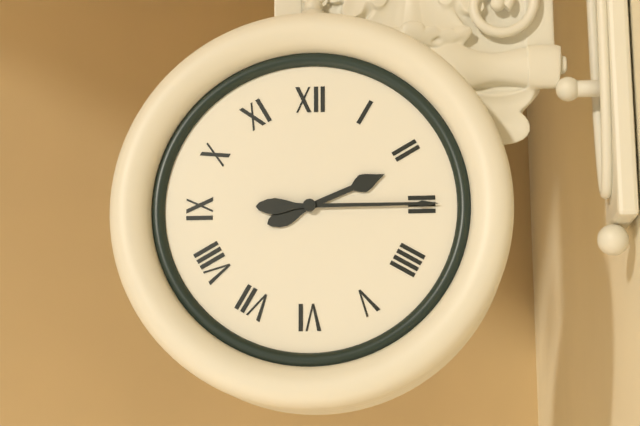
2h15
